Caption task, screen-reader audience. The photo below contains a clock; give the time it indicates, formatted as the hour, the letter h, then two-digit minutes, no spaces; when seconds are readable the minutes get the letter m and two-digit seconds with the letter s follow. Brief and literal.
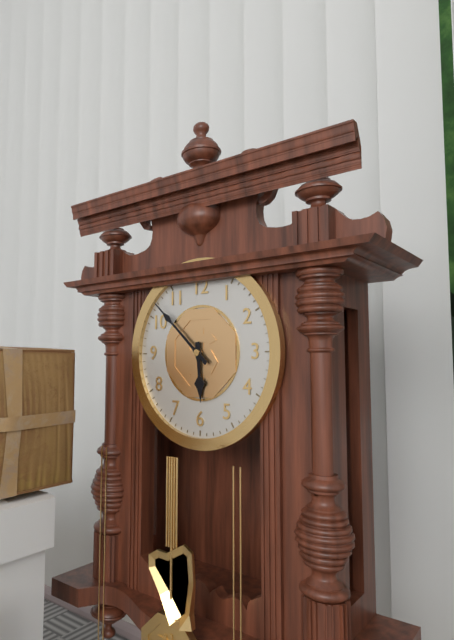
5h52
